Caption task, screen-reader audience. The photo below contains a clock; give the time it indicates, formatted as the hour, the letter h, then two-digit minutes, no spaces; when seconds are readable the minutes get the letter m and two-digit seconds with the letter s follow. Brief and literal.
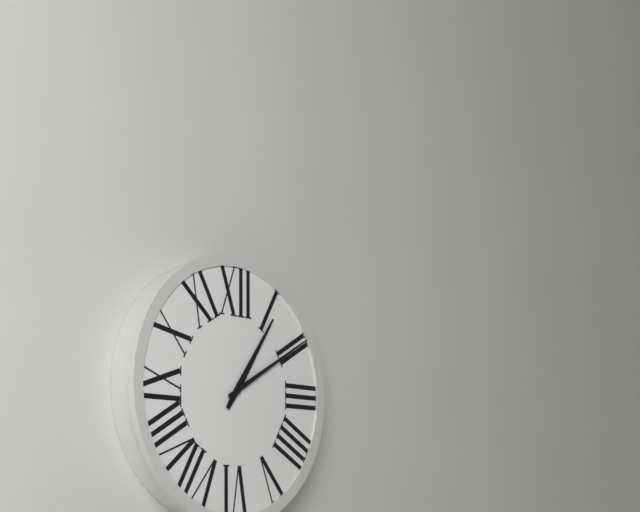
1h10
